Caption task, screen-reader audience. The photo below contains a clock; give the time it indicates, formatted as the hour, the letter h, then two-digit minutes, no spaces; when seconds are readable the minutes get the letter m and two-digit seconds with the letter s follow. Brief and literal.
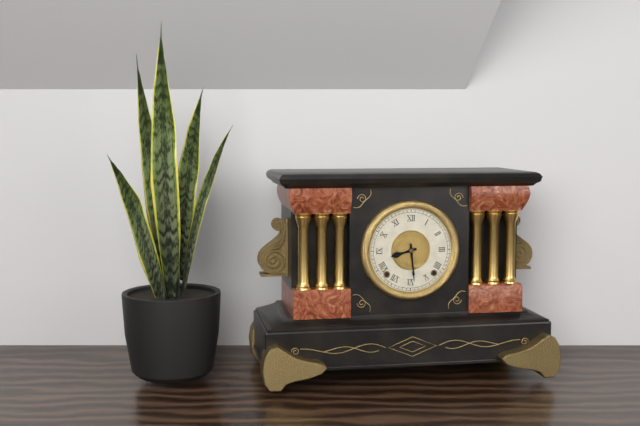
8h29
